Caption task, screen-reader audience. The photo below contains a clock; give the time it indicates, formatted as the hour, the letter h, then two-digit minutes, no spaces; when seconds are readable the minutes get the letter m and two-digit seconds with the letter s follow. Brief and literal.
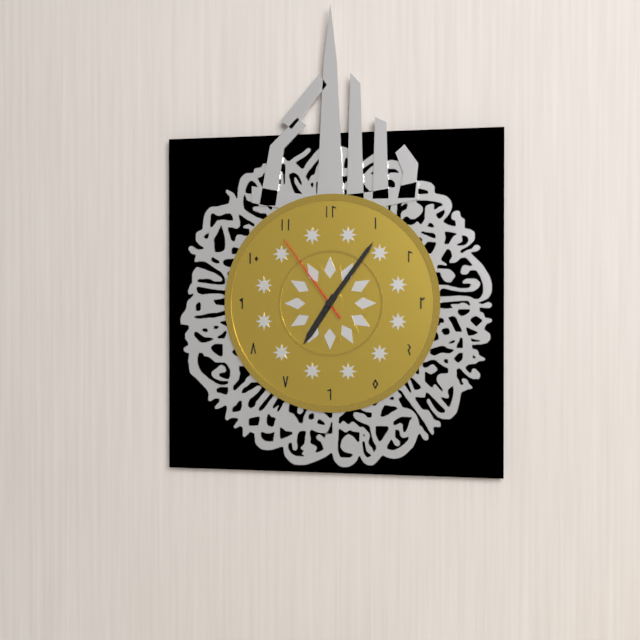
7h06m54s
